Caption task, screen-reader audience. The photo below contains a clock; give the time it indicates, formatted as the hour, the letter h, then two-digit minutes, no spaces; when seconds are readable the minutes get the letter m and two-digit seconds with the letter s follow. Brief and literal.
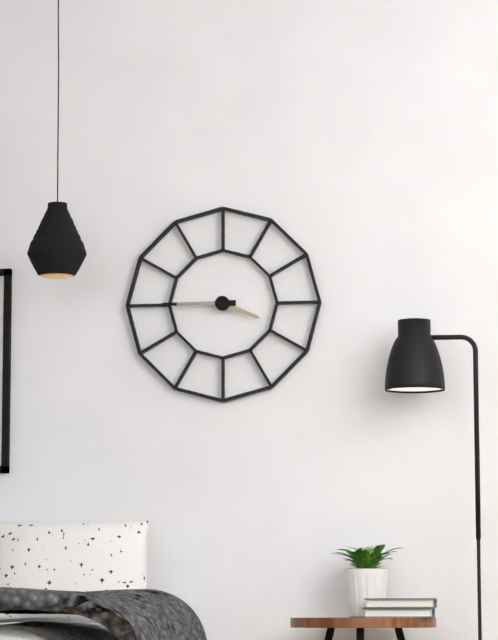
3h45
